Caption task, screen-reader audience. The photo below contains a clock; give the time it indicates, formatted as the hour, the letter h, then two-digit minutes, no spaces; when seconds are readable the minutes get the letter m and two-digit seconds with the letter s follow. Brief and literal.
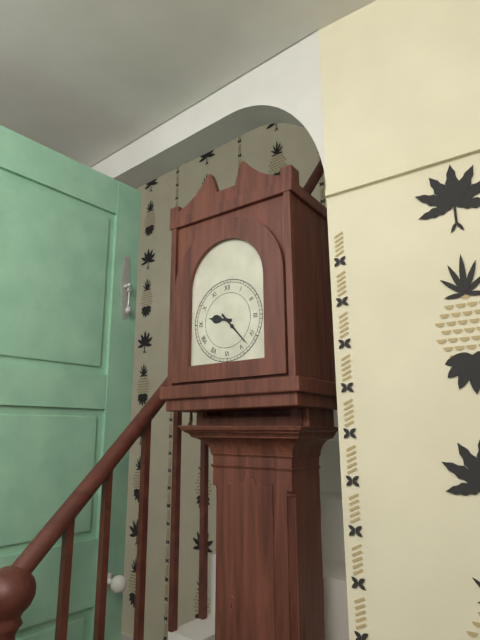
9h23
